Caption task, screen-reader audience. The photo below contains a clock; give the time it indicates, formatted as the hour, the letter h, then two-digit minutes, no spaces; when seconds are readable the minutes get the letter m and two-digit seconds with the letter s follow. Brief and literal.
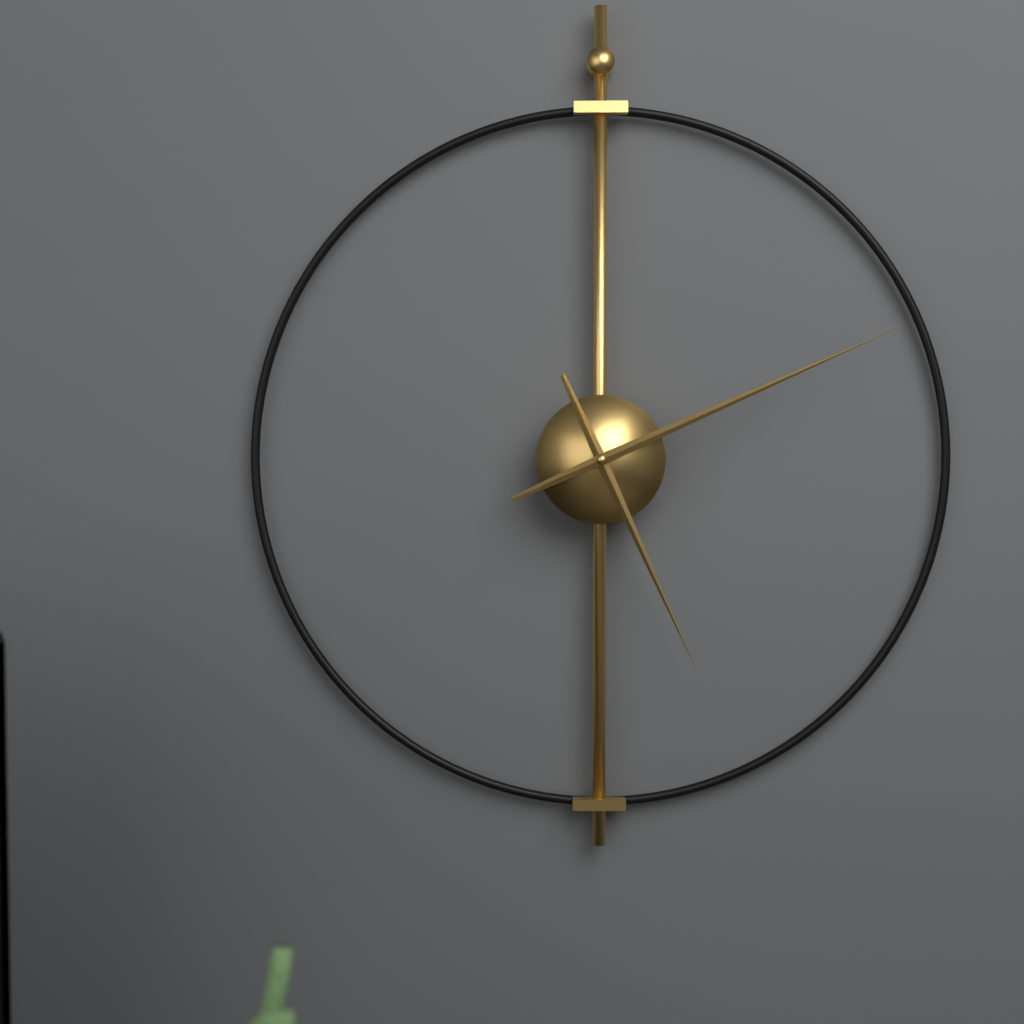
5h11
